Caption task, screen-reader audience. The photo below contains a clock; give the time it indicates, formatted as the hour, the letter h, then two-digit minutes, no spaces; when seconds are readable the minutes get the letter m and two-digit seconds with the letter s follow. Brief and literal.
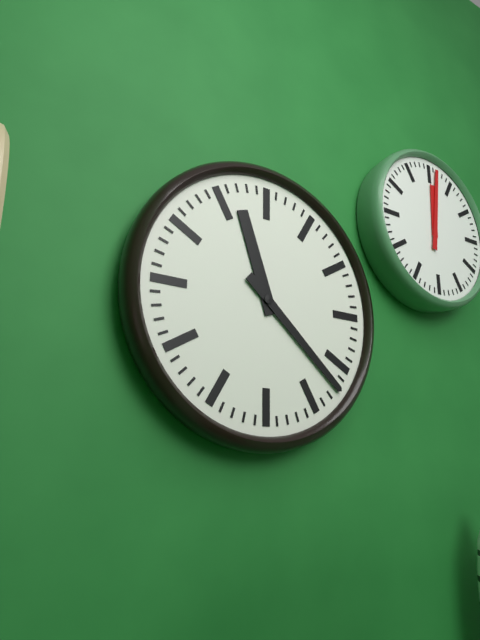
11h22
